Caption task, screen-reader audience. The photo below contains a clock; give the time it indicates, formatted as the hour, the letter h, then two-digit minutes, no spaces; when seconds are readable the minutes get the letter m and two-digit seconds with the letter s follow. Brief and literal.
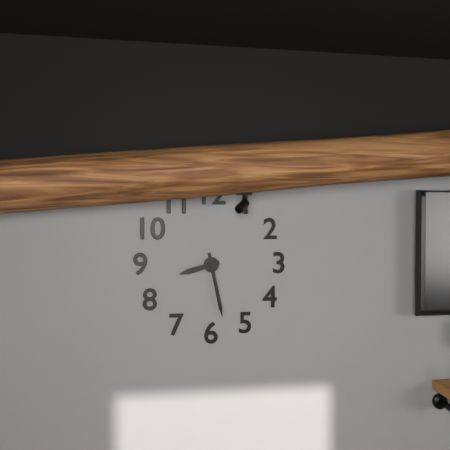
8h28
